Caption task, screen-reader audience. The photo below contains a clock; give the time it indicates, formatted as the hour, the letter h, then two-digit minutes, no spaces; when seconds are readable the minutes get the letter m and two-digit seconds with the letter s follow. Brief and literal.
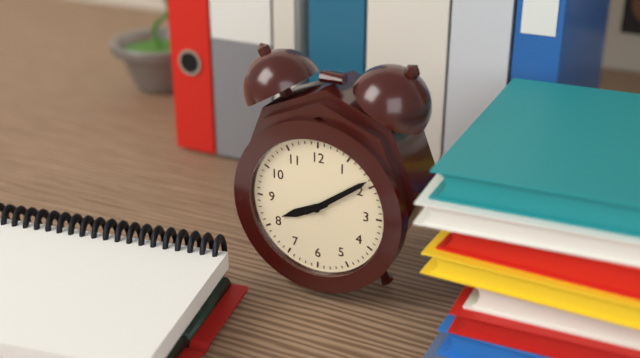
8h09
